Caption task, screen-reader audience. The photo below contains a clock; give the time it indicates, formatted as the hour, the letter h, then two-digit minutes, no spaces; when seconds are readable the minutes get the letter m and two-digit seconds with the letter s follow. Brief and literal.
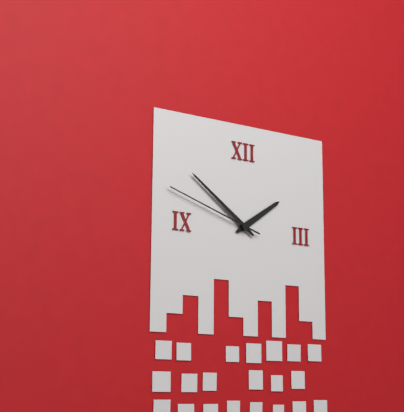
1h51m48s
